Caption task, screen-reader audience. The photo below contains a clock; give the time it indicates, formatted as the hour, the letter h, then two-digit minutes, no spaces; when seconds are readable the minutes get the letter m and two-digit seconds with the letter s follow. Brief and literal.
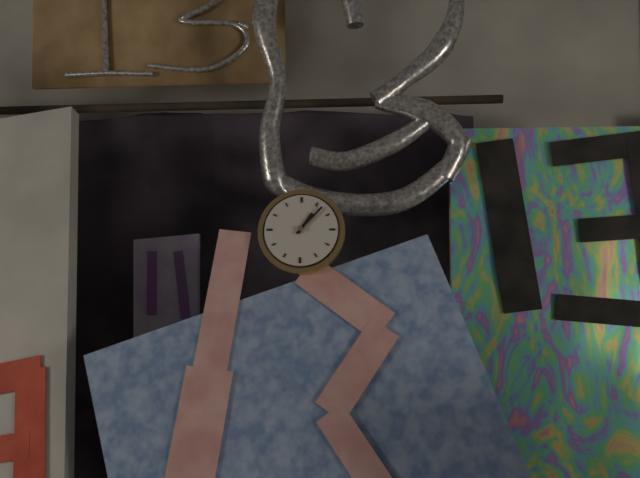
1h07
